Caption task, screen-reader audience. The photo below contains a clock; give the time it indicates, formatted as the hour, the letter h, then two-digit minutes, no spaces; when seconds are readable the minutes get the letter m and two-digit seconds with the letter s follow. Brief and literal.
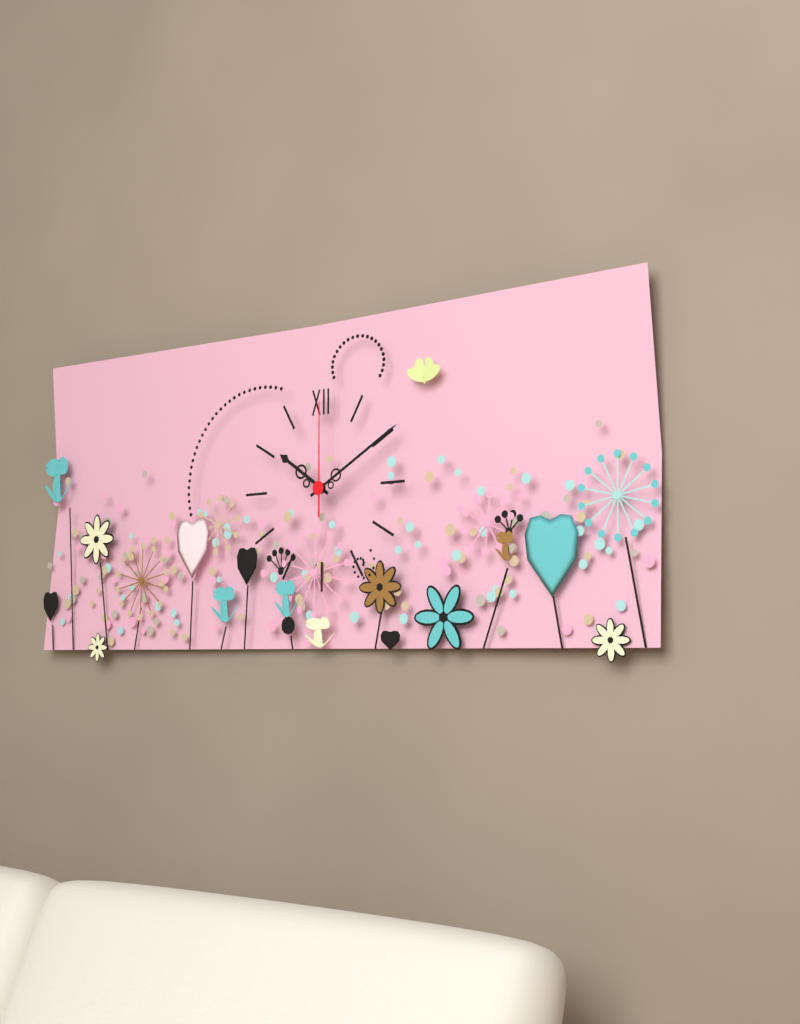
10h10m00s
